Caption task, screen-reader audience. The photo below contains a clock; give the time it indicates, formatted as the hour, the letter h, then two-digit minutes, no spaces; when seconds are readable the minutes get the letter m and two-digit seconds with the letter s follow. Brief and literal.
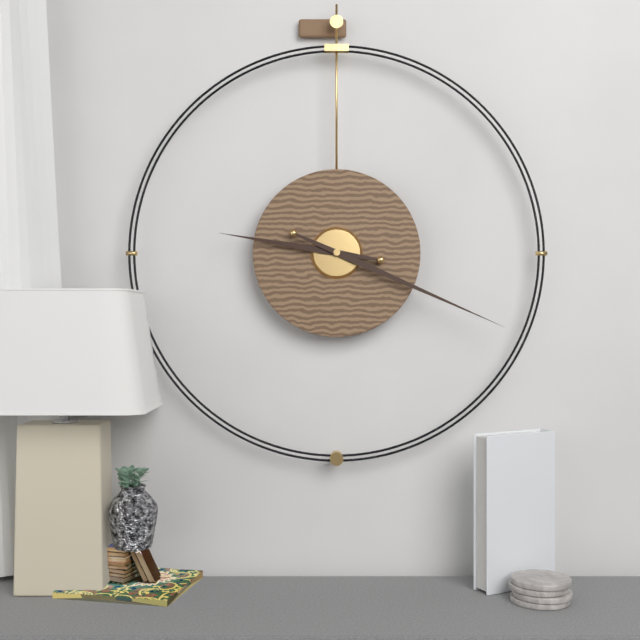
9h19
